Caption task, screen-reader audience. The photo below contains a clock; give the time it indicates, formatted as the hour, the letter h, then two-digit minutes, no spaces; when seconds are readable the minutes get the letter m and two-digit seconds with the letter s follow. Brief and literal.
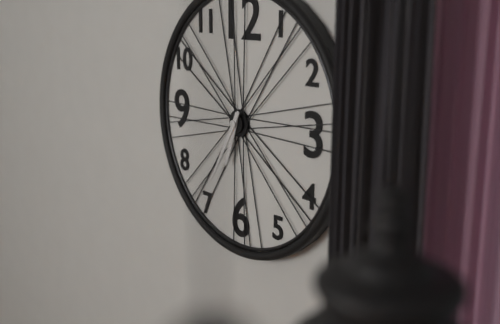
6h35
